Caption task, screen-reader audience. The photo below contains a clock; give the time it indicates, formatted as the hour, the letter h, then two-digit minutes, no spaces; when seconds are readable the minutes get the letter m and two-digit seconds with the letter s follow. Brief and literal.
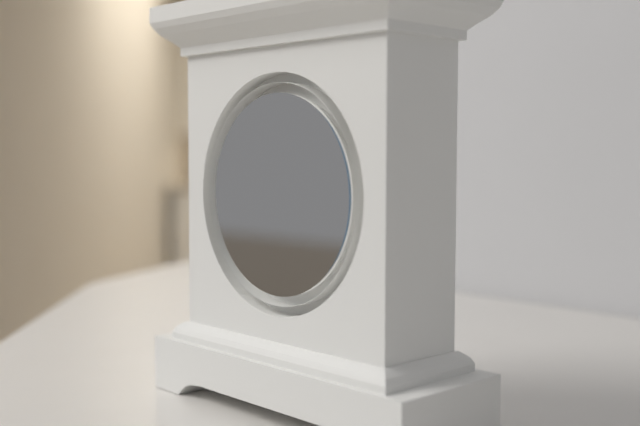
5h03
